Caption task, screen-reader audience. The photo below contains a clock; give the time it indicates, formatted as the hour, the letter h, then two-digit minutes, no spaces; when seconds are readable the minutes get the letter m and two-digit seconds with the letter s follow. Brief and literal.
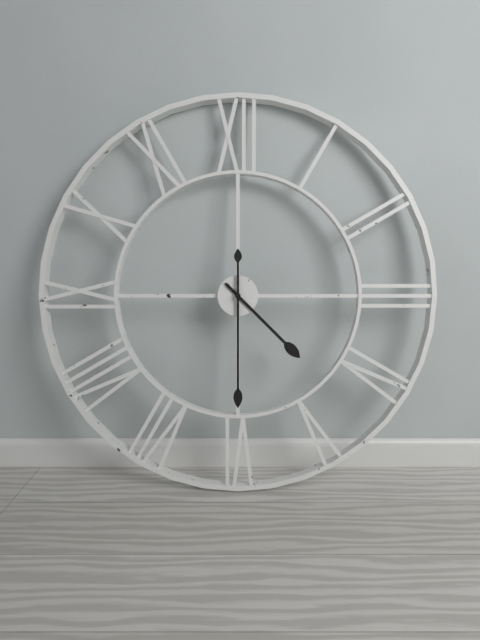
4h30
